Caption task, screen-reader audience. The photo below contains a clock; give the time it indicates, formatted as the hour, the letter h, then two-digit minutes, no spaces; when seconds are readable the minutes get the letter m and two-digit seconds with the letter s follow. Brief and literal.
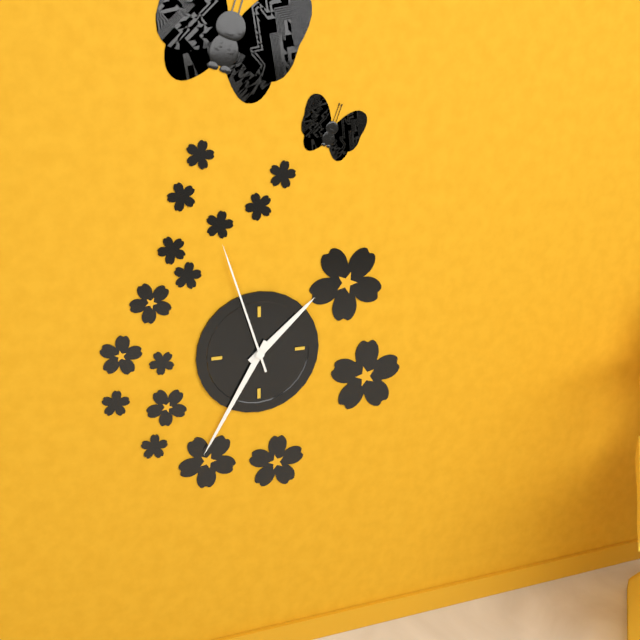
1h35m57s
